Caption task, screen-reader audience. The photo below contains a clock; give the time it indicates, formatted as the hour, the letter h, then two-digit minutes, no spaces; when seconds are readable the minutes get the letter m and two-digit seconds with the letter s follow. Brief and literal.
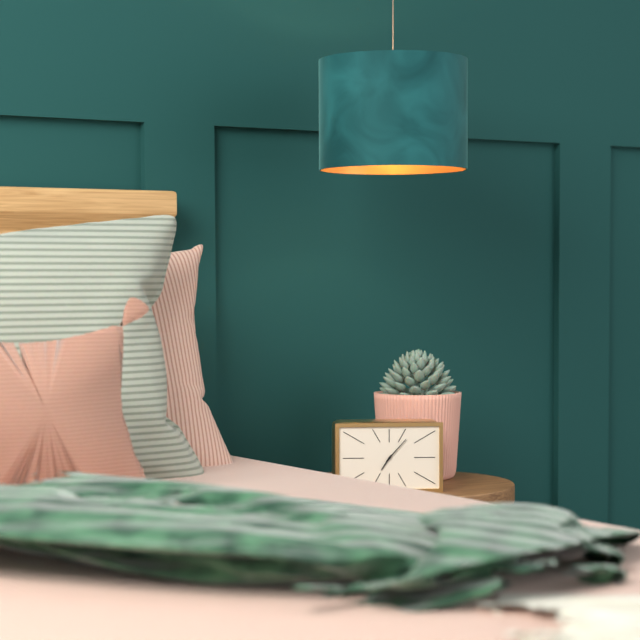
7h07
